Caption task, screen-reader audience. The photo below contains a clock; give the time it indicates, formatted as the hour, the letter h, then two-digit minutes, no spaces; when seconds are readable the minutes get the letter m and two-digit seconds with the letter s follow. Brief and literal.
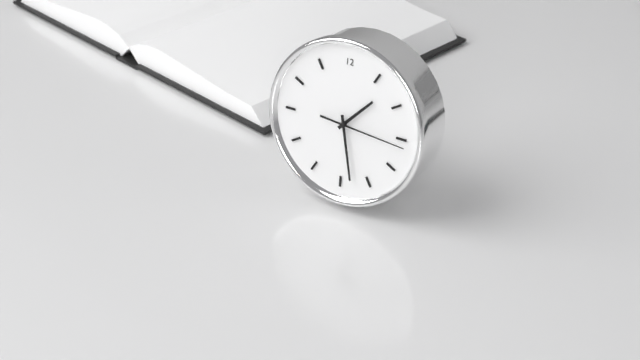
1h28m16s
